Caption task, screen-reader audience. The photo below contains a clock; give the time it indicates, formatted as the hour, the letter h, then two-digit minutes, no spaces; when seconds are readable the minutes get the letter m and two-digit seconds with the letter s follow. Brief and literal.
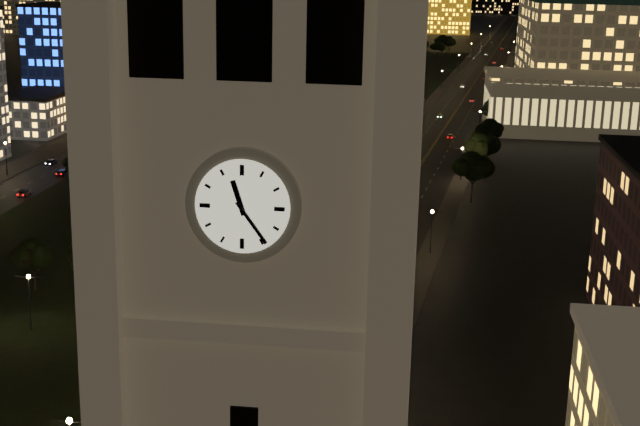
11h24
